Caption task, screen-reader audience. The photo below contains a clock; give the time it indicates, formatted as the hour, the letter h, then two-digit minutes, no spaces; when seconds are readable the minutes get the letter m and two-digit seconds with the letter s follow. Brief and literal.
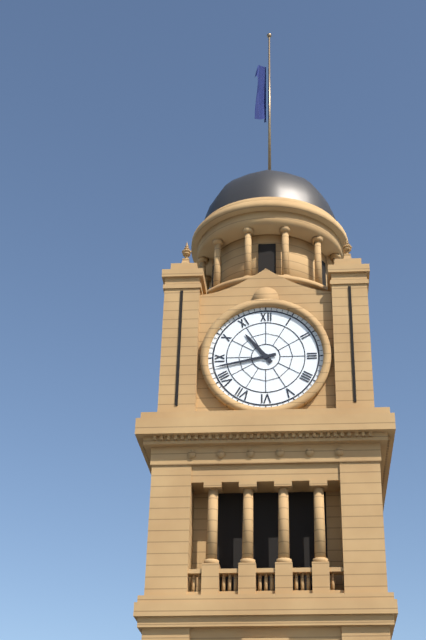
10h43
